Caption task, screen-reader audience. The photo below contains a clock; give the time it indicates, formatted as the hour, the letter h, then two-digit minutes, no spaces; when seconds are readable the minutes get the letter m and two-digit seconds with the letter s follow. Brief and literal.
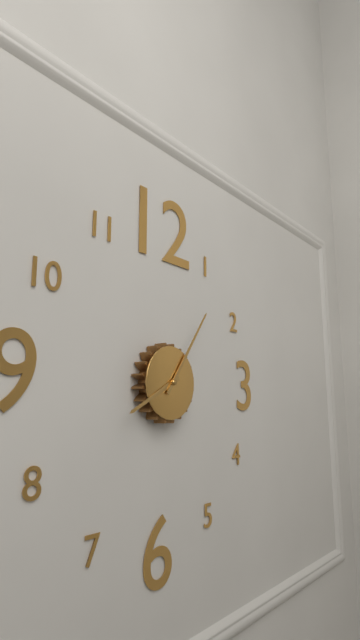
8h06
